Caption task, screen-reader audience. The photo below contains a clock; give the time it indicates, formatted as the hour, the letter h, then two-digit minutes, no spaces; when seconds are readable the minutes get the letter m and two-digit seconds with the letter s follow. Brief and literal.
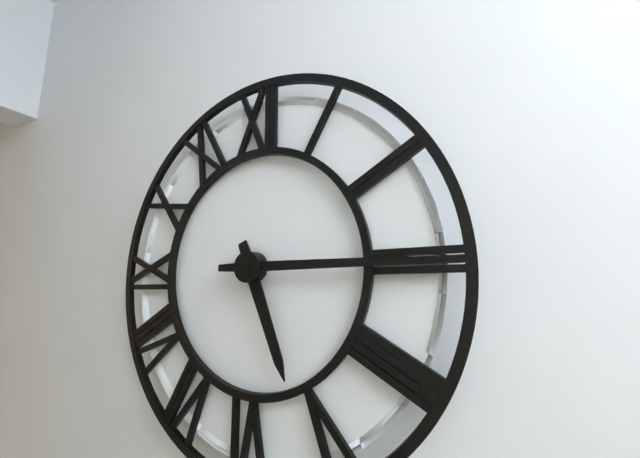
5h15
